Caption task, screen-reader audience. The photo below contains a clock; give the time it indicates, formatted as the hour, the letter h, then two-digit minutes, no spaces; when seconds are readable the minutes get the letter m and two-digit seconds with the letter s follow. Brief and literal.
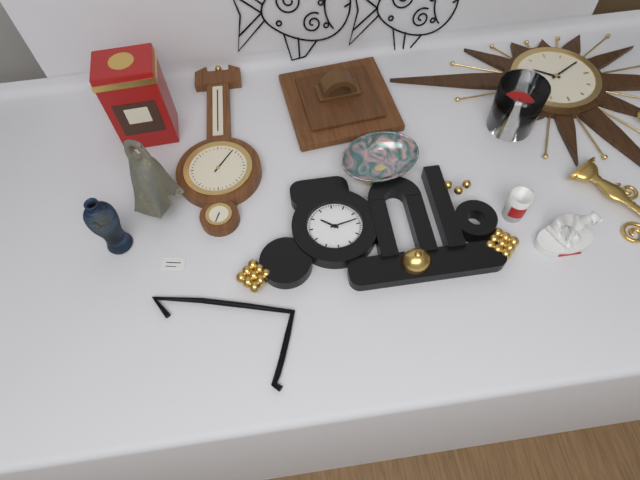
10h13
